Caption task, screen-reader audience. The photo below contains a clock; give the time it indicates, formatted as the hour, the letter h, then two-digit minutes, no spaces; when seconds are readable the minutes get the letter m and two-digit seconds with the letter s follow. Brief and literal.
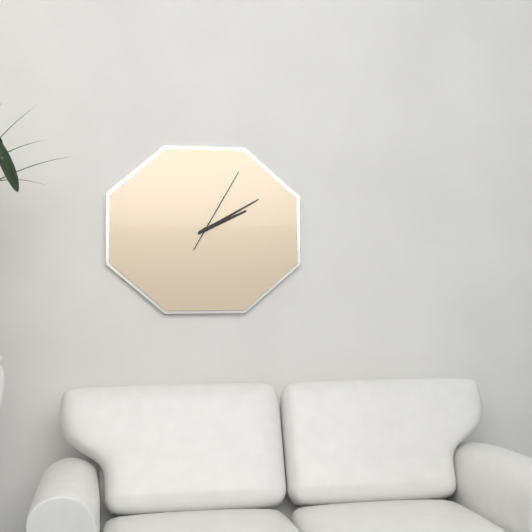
2h10m05s
